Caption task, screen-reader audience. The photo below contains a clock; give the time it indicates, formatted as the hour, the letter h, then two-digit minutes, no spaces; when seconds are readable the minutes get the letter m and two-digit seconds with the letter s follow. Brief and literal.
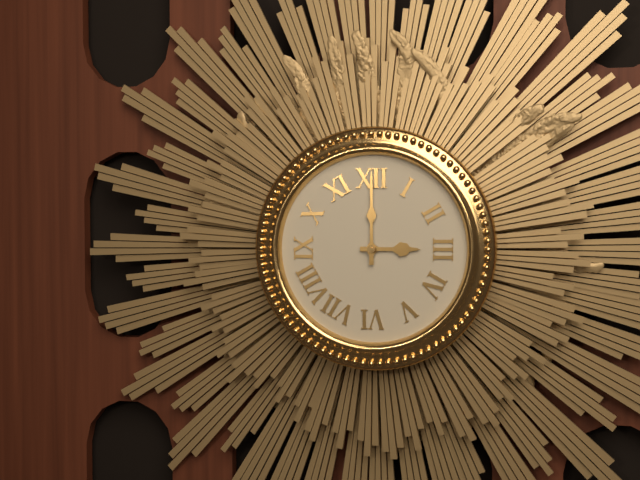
3h00
